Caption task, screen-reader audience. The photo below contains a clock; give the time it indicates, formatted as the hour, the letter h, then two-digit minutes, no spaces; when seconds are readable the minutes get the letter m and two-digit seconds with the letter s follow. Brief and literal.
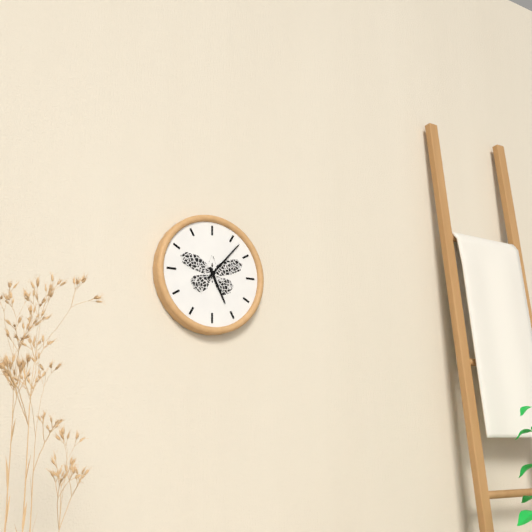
5h07
